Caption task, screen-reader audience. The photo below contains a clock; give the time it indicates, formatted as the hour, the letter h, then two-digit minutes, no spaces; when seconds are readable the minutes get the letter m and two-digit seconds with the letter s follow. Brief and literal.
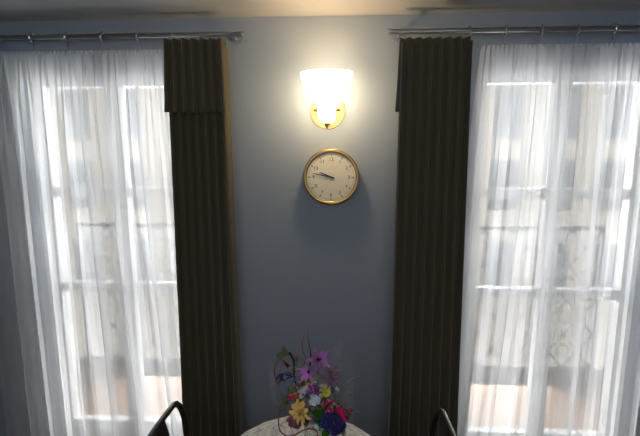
9h47
